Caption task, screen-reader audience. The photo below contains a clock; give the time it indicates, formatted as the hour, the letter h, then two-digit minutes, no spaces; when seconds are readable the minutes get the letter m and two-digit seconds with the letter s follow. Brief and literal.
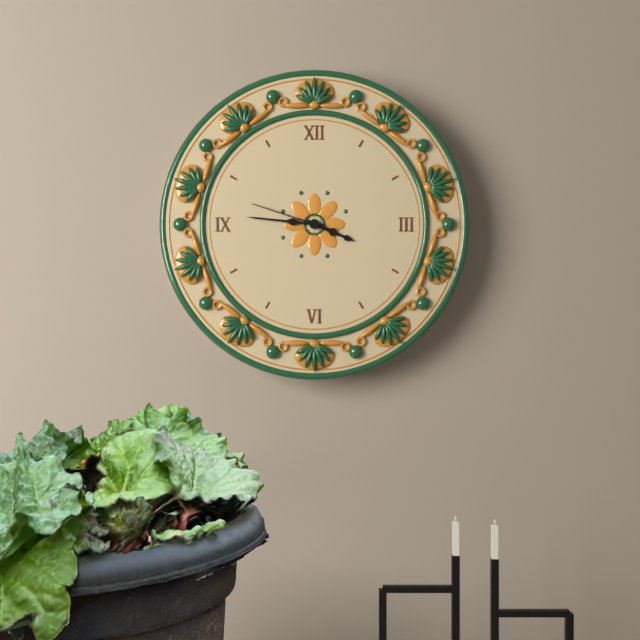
3h46m48s
